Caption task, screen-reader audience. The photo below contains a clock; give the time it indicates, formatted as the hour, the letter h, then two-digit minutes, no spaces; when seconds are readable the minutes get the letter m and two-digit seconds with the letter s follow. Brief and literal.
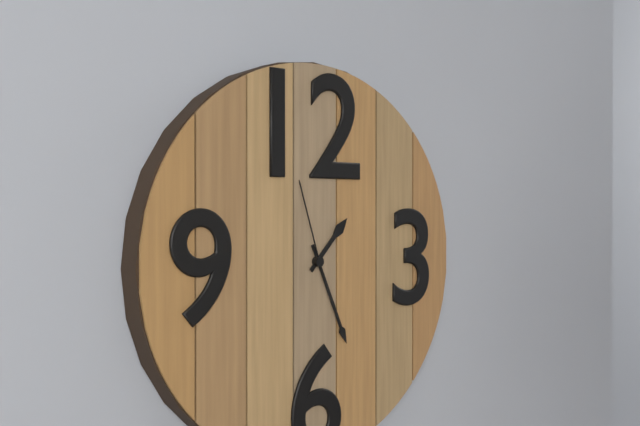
1h26m57s
